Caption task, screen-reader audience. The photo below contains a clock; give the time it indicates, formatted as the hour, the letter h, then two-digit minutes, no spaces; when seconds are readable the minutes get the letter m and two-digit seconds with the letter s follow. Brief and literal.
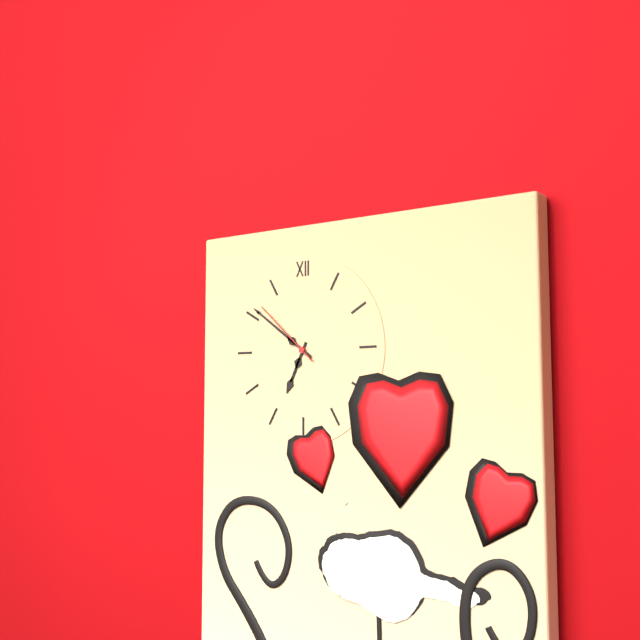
6h51m52s
